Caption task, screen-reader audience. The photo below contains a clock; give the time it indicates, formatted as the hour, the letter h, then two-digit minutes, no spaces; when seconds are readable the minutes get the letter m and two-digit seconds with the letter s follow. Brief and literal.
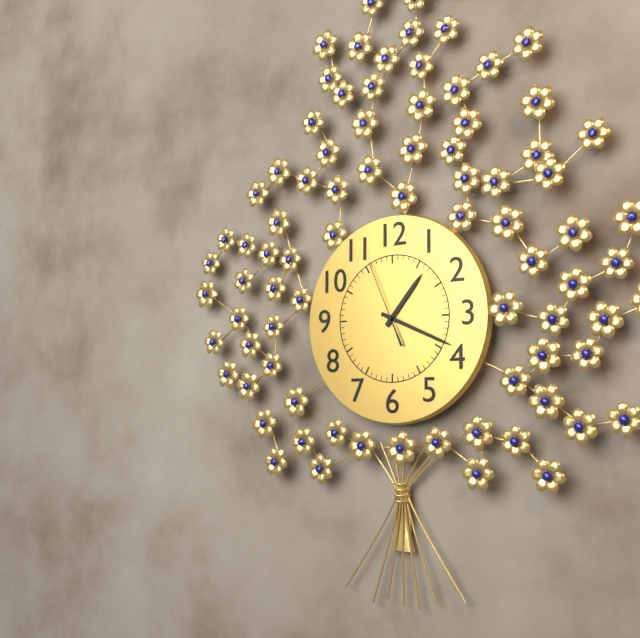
1h19m56s
